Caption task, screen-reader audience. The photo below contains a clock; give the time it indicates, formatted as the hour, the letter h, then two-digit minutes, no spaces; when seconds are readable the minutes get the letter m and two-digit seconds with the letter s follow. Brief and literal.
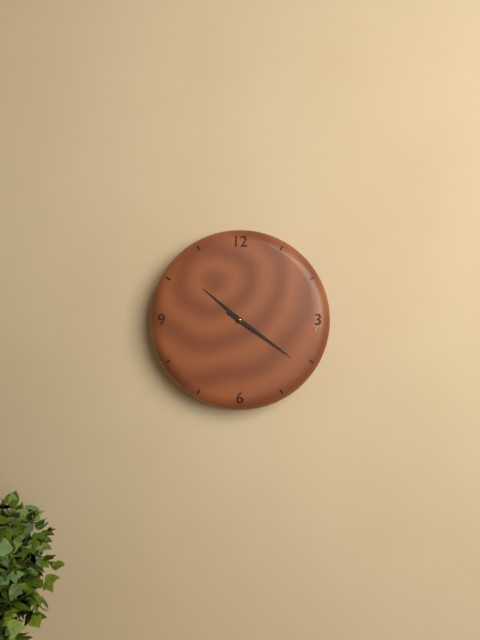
10h21
